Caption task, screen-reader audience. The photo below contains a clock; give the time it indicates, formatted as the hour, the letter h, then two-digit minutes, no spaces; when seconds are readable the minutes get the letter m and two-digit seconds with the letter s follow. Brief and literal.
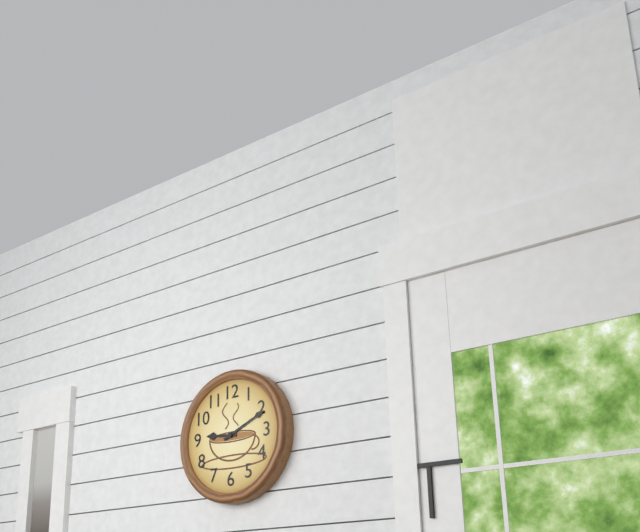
9h11
